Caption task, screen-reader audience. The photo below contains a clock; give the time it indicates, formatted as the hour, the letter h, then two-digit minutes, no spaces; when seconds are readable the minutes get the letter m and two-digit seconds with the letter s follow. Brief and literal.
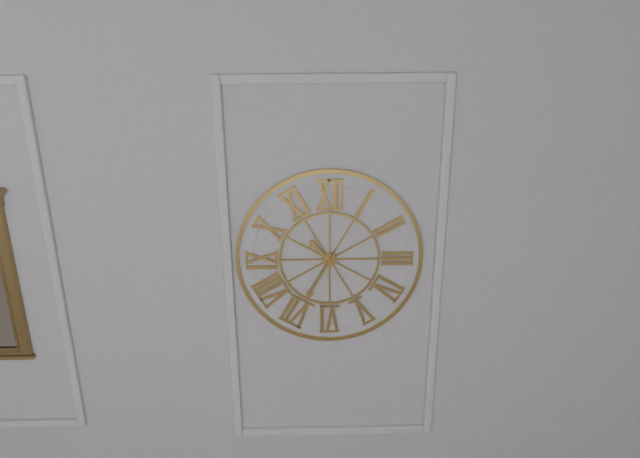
10h35
